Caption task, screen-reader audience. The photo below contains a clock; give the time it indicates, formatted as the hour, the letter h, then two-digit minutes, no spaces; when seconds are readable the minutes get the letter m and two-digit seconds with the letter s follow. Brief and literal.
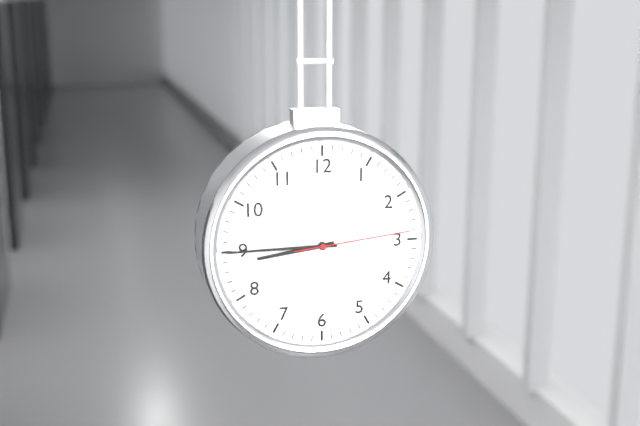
8h45m14s
